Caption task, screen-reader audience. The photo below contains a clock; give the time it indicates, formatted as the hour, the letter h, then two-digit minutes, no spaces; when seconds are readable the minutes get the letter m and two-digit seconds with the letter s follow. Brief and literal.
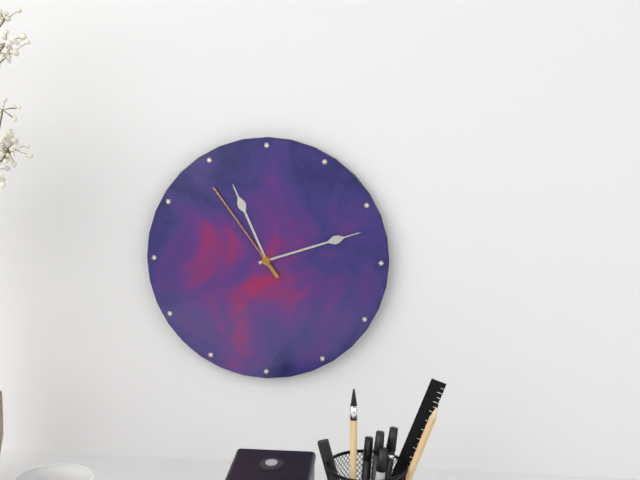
11h12m54s
